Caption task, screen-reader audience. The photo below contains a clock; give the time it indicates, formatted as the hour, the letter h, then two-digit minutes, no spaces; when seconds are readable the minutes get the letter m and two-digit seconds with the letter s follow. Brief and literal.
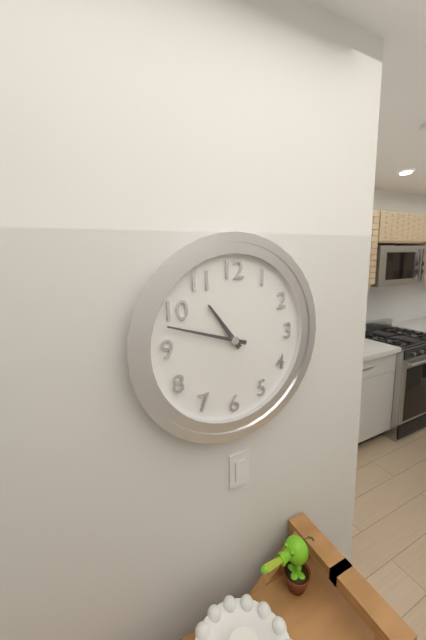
10h48
